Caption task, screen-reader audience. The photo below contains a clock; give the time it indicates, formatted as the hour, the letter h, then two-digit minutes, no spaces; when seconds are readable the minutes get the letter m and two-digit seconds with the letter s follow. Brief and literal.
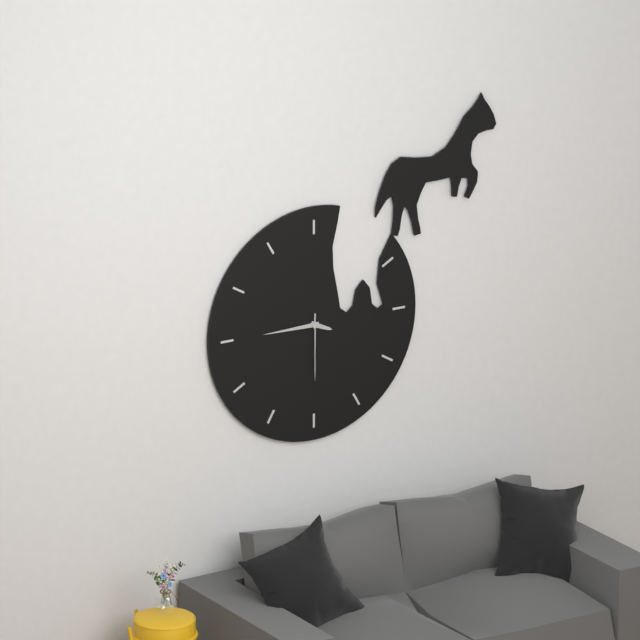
3h45m30s
